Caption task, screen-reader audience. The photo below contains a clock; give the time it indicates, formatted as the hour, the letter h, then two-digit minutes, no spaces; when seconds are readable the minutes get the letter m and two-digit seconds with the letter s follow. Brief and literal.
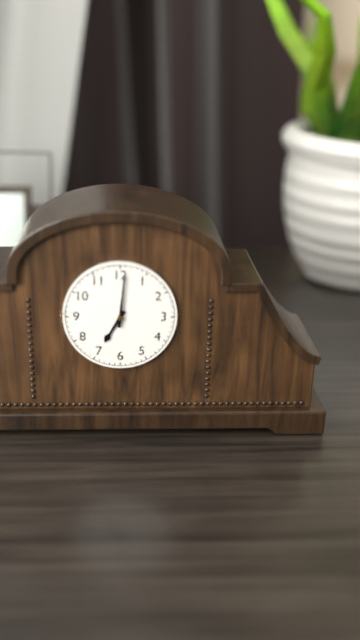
7h01
